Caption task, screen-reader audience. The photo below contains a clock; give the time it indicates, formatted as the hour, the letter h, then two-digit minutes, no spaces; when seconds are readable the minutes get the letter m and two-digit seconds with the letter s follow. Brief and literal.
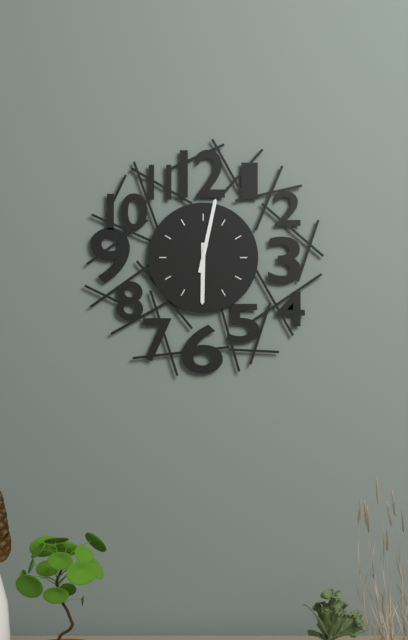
6h02
